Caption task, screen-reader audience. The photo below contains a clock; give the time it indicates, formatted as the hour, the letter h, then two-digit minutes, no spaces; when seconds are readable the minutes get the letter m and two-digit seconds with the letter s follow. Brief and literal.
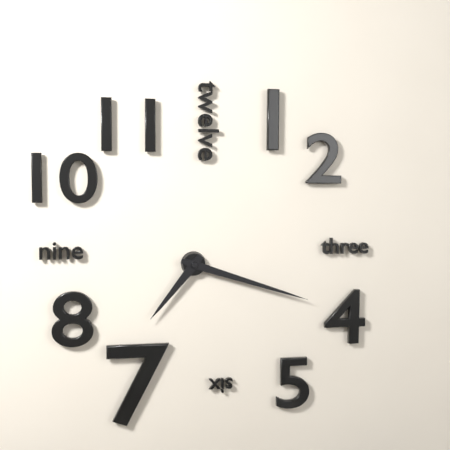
7h18
